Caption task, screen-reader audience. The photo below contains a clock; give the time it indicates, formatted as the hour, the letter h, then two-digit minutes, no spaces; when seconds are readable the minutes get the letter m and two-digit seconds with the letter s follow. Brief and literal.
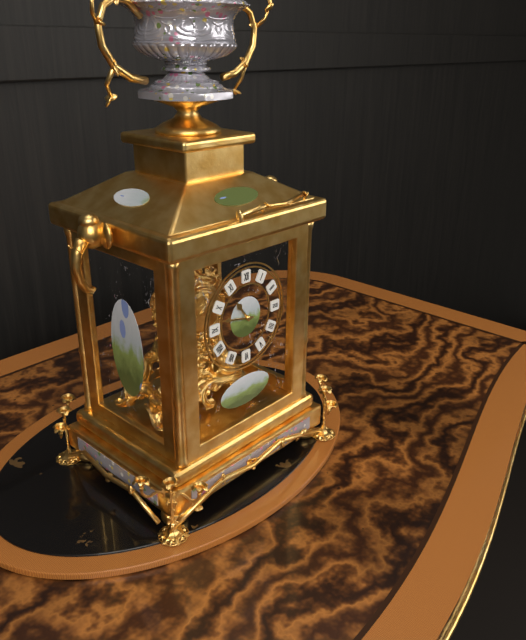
10h47
